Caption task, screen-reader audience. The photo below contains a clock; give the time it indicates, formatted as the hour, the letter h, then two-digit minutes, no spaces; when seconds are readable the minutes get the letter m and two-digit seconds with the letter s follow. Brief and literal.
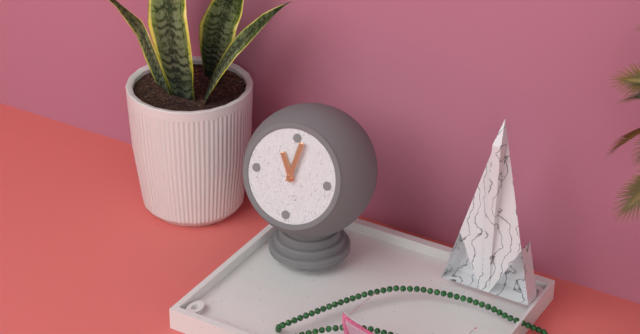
11h02
